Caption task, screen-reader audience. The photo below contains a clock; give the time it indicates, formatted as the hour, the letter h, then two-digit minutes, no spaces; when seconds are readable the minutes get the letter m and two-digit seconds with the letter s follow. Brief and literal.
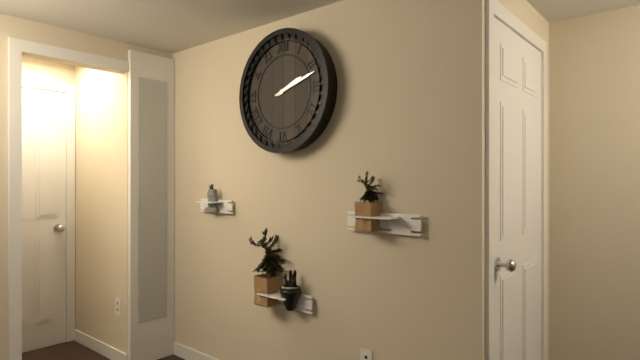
2h12
